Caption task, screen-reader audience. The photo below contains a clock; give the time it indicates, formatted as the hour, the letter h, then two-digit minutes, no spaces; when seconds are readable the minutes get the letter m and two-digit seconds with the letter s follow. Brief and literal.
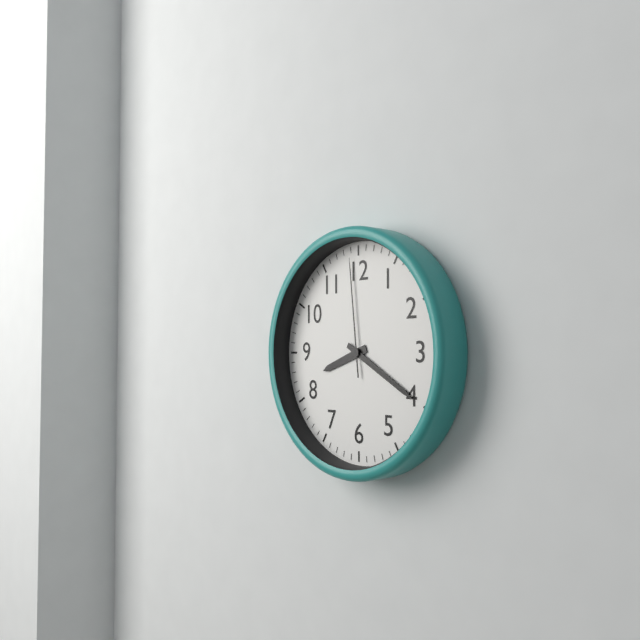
8h20m59s
